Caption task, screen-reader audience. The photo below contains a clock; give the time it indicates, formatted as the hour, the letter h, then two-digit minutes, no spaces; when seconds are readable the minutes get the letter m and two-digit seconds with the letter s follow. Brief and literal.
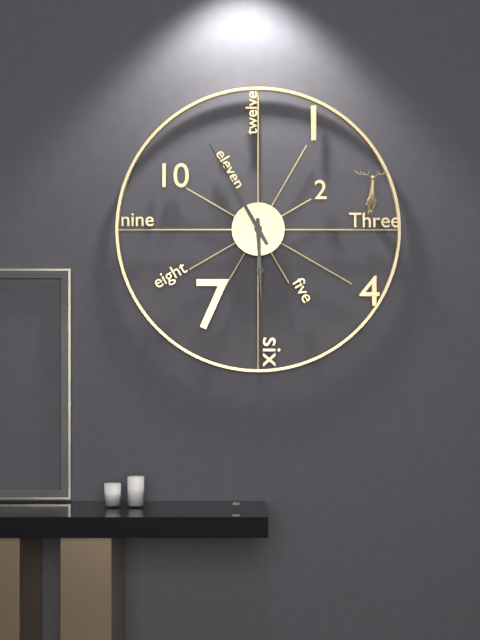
5h55
